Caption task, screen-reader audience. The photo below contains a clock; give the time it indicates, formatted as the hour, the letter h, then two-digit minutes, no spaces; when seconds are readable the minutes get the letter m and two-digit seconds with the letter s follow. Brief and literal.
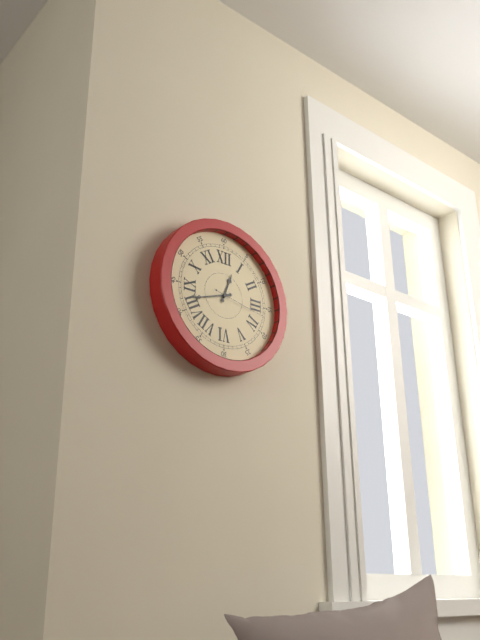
12h42m17s
